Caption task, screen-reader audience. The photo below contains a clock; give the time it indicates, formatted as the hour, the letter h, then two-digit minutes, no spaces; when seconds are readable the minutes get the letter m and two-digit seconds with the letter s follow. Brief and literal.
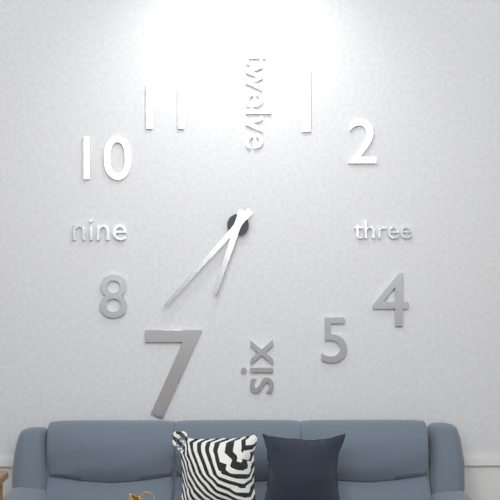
6h37
